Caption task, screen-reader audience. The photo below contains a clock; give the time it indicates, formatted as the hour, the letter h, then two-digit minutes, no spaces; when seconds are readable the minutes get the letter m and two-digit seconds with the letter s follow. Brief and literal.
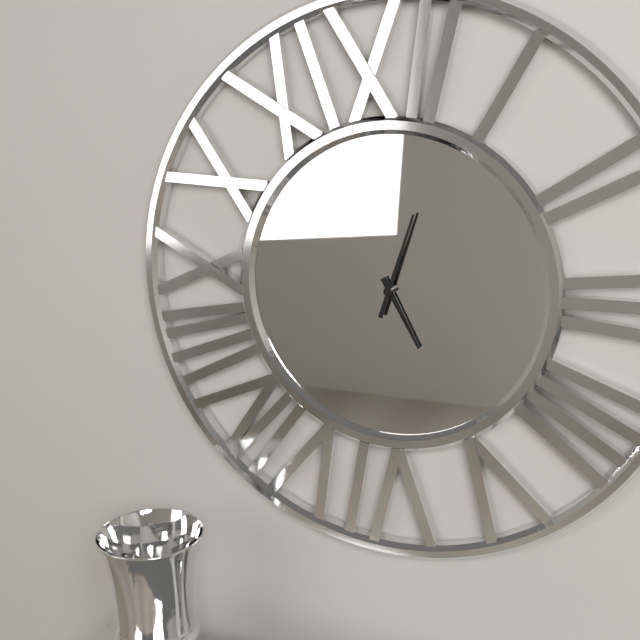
5h03
